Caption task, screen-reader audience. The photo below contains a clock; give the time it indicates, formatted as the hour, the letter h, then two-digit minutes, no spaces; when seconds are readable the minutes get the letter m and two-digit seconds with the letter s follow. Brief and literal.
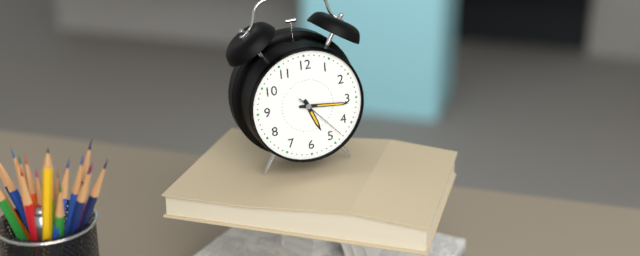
5h16m23s
